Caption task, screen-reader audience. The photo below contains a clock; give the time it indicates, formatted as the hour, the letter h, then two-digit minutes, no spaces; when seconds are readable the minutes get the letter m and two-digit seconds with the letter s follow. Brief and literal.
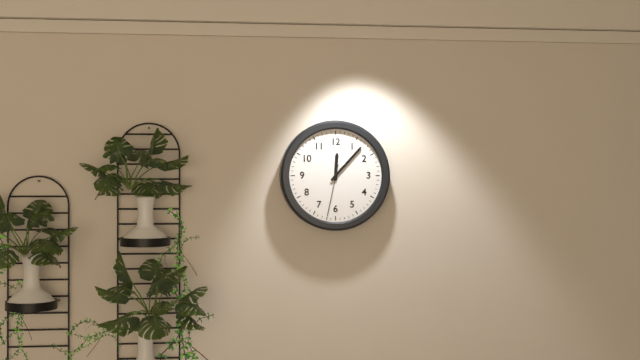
12h07m32s
